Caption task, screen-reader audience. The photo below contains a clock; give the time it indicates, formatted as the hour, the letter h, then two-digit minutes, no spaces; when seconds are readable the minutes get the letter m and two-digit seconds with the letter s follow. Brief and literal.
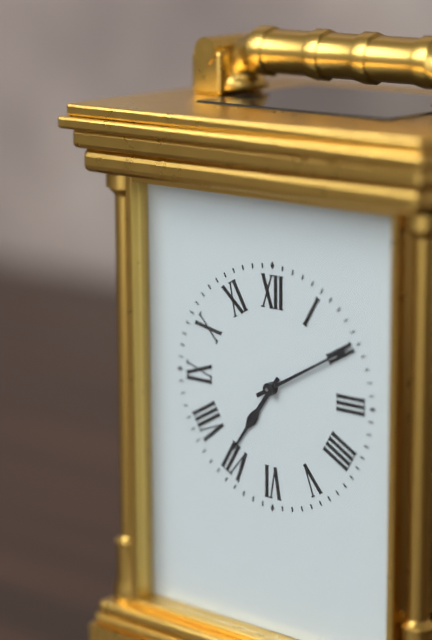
7h10
